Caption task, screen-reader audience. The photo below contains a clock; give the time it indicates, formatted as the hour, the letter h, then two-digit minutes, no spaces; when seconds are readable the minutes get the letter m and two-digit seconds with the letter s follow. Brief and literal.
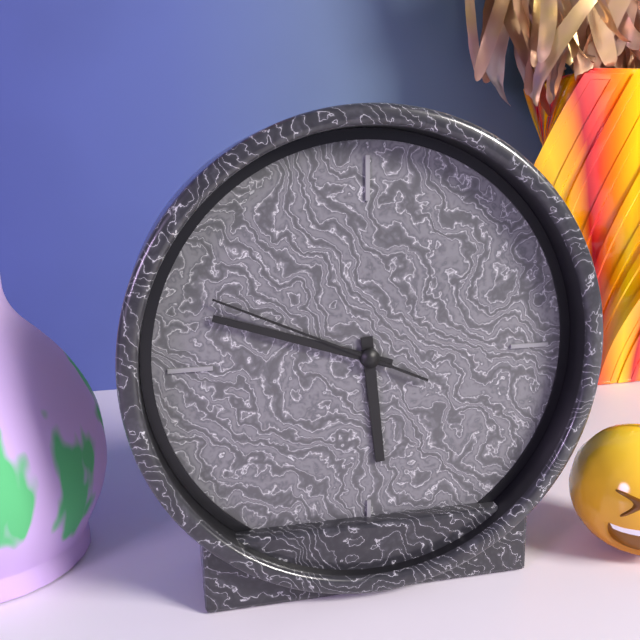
5h48m49s
